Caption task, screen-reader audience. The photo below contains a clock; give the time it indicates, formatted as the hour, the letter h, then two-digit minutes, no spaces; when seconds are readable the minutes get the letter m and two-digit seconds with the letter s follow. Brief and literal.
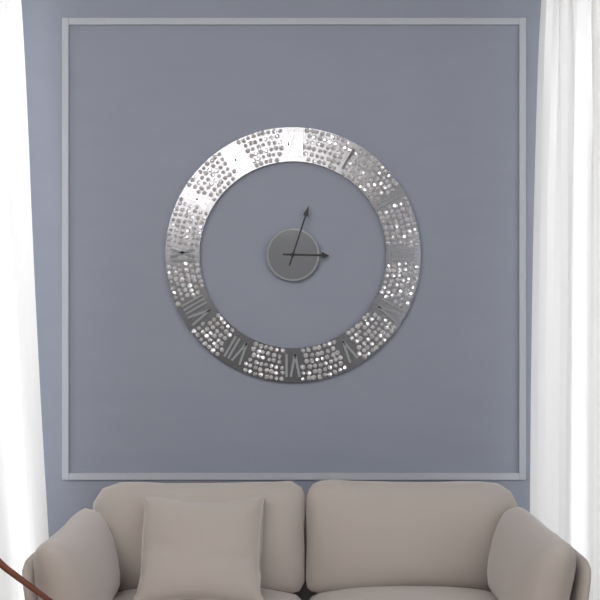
3h03
